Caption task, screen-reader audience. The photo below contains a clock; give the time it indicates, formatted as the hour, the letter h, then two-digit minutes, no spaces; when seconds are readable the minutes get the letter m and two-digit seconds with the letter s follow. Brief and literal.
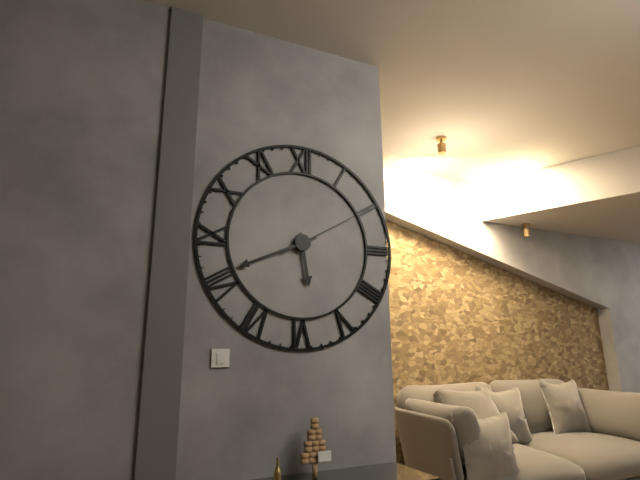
5h41m10s
